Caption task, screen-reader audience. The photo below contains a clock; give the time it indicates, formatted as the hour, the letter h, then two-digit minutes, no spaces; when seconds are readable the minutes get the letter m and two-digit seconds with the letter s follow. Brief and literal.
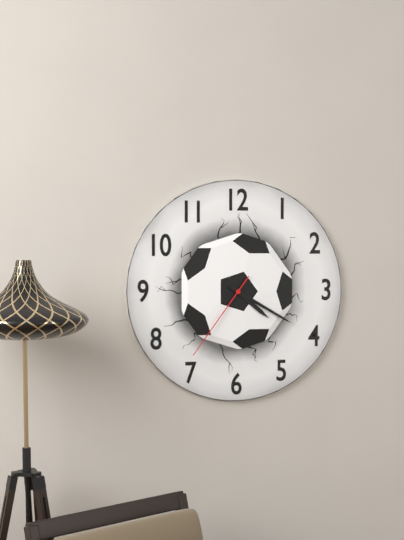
4h20m36s
